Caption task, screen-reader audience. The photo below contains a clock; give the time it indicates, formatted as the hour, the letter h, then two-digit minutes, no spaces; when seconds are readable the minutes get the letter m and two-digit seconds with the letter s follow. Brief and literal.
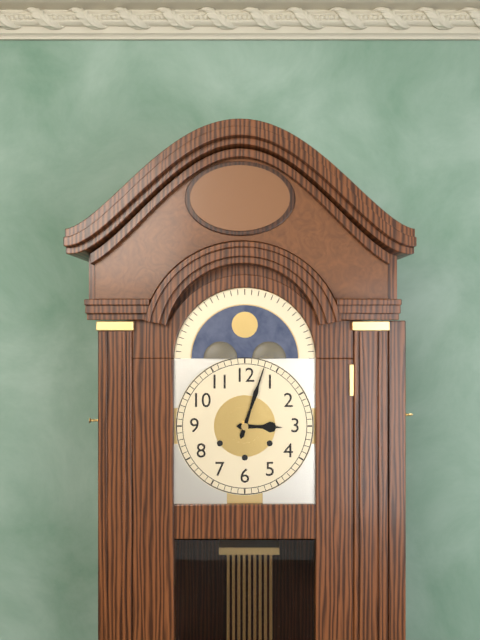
3h03
